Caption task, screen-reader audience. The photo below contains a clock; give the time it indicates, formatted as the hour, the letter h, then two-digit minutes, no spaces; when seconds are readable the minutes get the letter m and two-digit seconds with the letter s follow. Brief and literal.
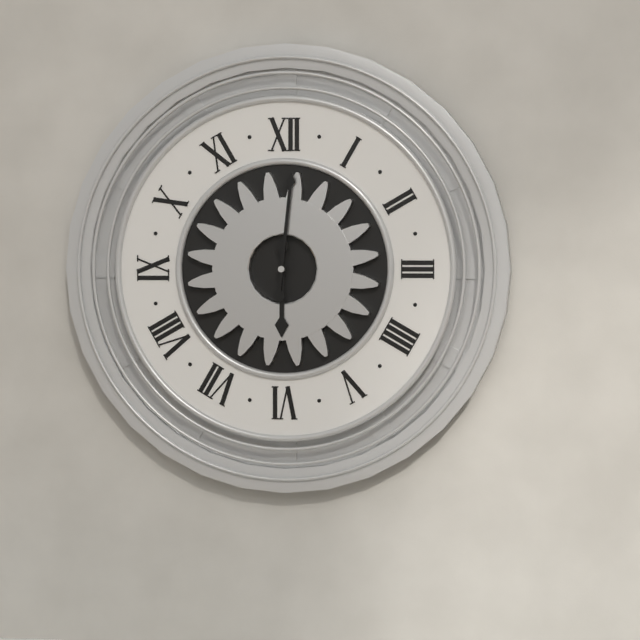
6h01
